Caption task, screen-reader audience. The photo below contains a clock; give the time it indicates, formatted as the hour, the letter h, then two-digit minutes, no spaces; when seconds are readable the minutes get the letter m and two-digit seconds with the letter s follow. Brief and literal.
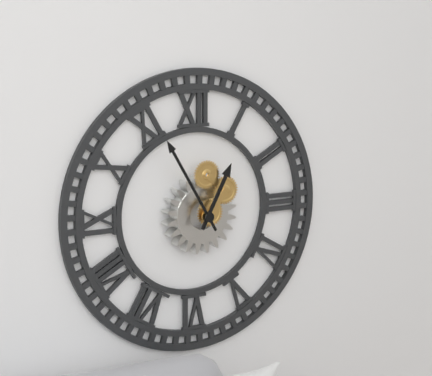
12h55
